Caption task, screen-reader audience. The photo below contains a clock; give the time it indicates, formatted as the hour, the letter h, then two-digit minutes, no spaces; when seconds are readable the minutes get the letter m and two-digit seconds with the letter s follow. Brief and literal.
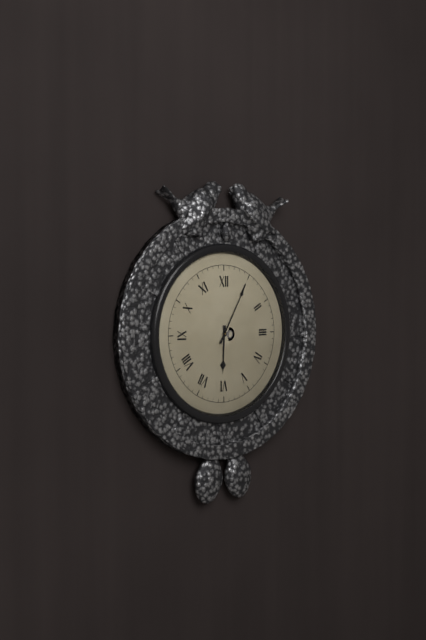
6h05
